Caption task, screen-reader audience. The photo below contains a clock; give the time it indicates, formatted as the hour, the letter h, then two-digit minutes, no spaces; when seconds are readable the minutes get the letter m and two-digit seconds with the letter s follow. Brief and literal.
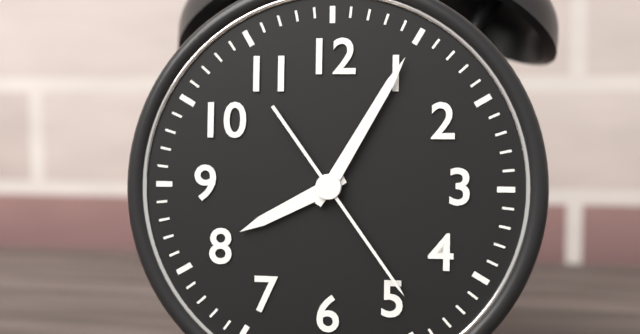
8h05m24s
